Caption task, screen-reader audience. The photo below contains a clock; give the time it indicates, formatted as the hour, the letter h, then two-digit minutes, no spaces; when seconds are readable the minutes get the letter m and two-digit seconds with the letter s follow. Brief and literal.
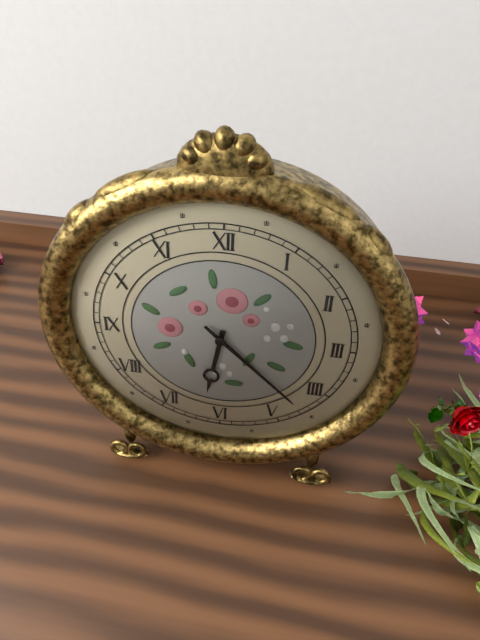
6h22
